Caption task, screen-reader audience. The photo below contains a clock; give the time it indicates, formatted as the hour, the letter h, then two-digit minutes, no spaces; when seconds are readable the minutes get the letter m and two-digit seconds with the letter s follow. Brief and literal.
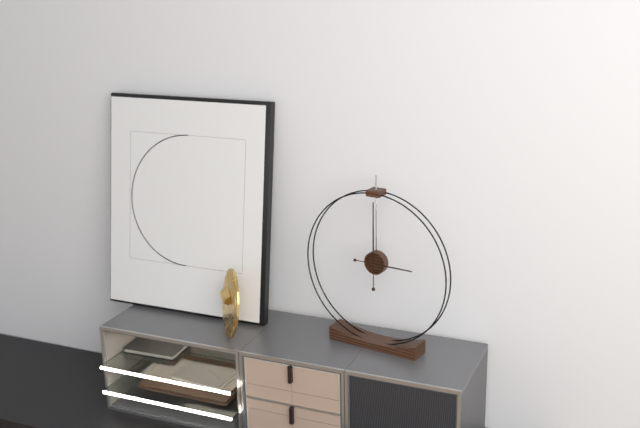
3h00
